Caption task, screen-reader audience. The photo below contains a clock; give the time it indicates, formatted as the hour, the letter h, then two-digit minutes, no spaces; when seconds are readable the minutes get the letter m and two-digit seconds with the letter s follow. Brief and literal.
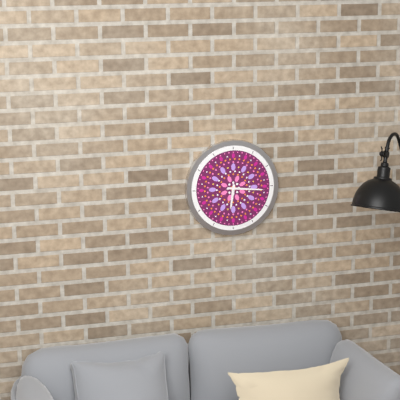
6h16
